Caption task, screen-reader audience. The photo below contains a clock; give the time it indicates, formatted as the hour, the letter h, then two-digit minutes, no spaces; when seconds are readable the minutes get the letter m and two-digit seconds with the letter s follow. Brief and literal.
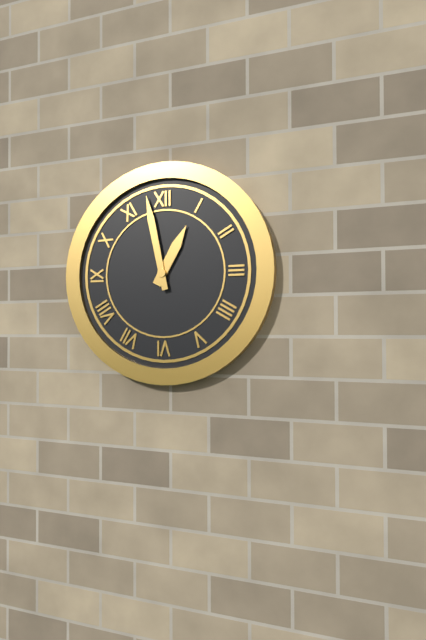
12h58
